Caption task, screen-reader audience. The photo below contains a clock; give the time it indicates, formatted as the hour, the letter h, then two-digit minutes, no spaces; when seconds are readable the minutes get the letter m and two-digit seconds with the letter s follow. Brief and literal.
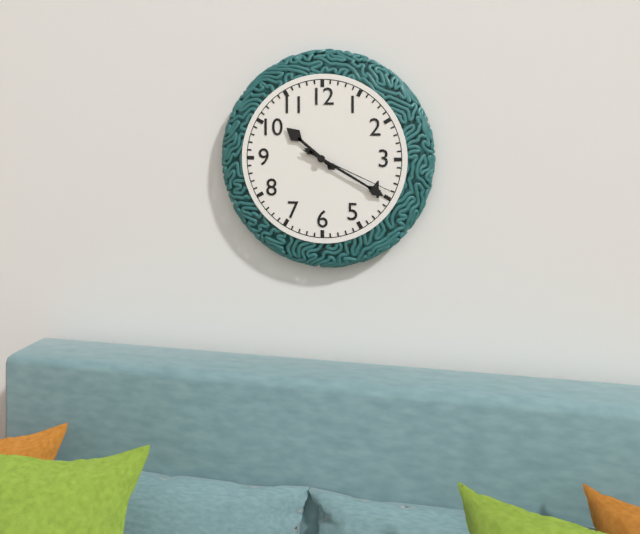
10h20m19s
